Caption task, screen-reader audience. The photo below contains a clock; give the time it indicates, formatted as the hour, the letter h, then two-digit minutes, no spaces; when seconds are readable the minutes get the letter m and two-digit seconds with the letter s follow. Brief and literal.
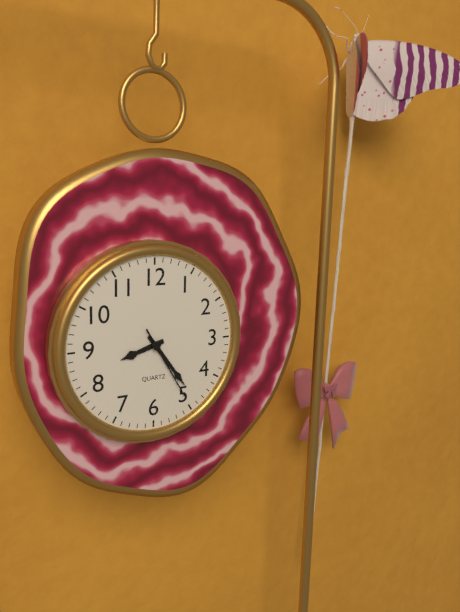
8h24m25s
